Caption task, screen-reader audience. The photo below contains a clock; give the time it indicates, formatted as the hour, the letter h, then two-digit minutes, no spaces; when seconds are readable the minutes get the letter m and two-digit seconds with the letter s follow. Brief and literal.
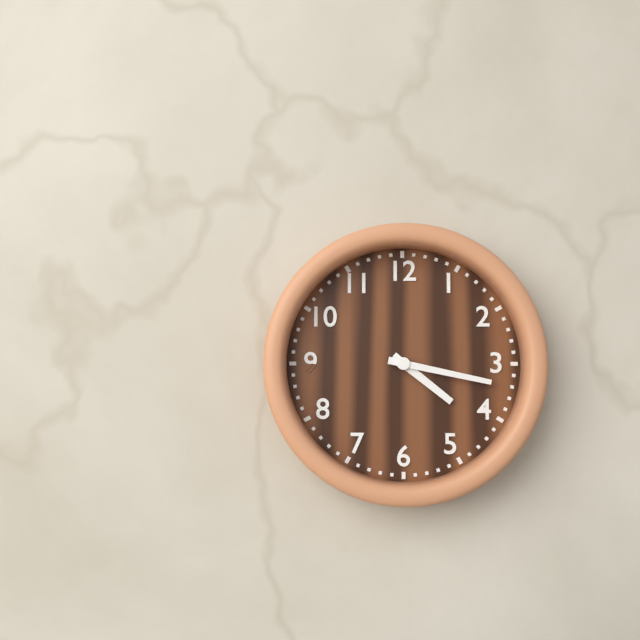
4h17
